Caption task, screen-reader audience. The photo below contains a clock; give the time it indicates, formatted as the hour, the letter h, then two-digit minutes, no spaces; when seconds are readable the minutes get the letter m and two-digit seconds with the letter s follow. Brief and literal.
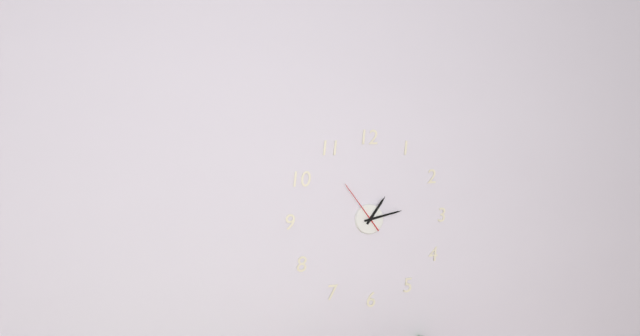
1h13m54s
